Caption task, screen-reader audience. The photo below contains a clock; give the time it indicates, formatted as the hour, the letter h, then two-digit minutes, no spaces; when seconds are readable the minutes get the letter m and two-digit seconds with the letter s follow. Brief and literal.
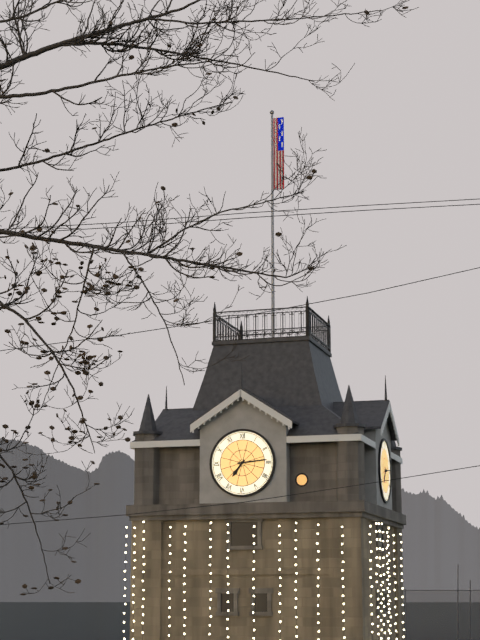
7h14
